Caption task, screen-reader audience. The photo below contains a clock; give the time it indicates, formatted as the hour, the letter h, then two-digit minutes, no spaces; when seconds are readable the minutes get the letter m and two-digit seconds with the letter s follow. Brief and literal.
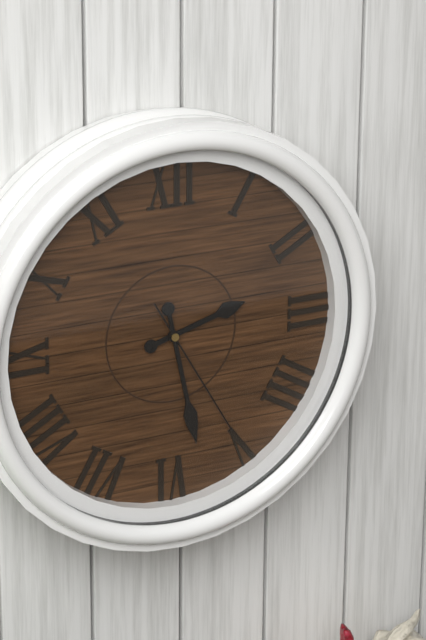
2h28m25s
